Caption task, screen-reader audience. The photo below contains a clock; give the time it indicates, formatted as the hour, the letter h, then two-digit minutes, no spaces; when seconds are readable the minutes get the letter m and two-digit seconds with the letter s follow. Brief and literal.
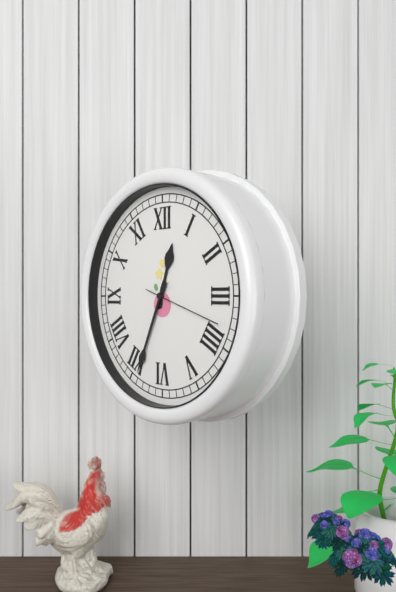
12h34m18s
